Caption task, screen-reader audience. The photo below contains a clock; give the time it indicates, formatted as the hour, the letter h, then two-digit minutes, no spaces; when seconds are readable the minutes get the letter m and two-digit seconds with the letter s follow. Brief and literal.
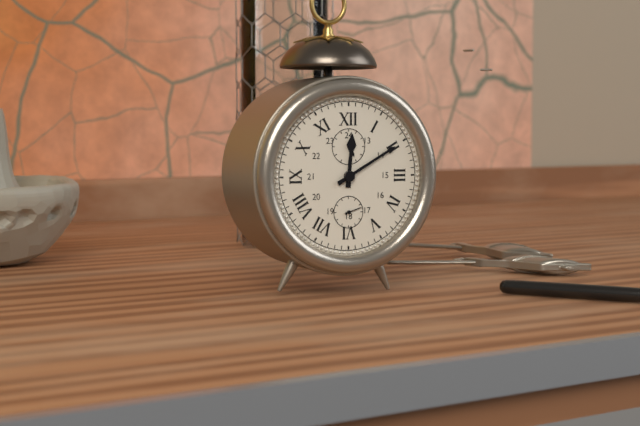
12h10
